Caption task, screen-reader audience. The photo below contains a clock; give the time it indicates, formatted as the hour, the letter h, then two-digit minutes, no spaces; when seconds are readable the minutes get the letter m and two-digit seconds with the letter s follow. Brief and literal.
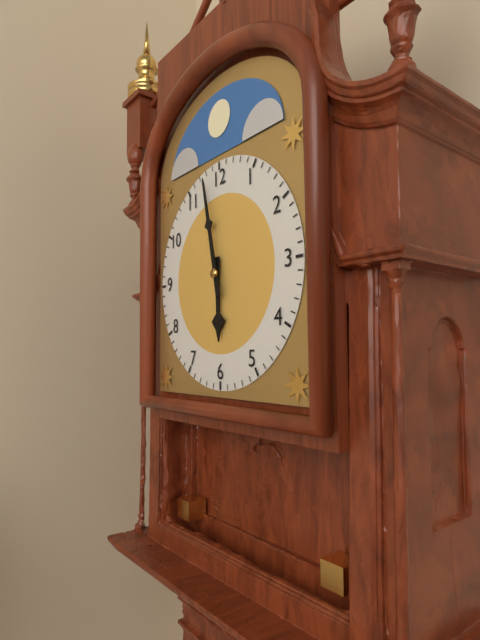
5h58
